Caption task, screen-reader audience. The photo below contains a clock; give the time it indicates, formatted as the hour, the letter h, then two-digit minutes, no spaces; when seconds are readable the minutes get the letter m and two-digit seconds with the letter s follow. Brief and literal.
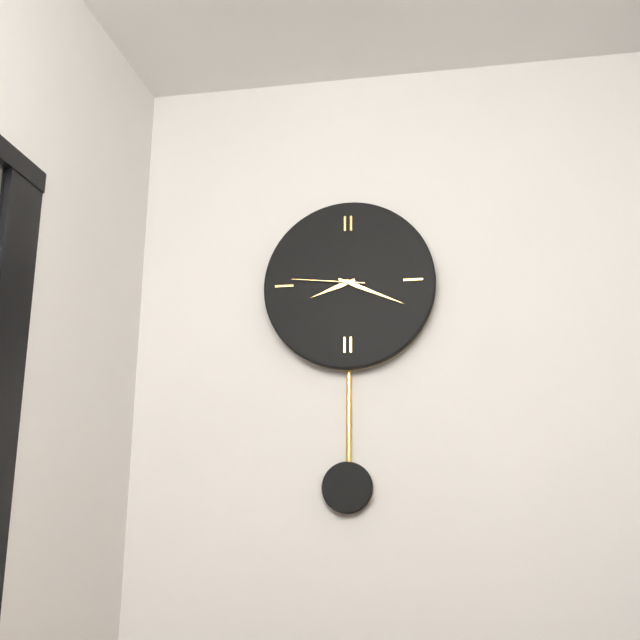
8h19m46s
